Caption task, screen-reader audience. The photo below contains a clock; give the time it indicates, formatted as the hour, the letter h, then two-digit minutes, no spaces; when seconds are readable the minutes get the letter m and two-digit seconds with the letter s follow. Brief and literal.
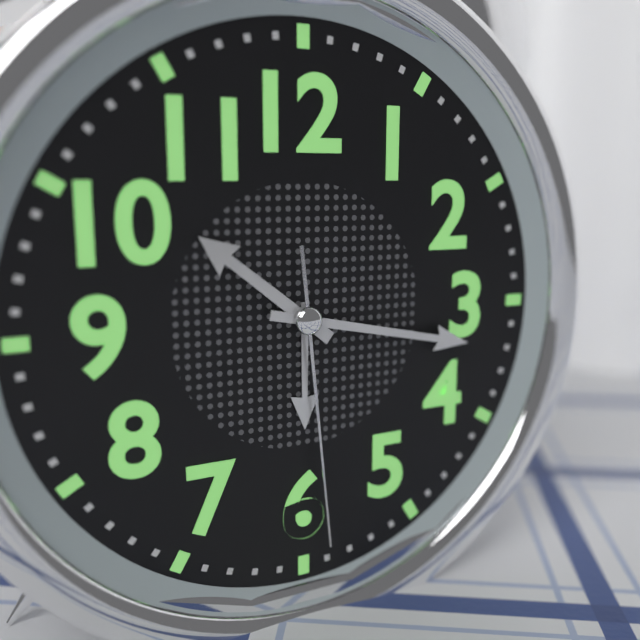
10h17m29s
